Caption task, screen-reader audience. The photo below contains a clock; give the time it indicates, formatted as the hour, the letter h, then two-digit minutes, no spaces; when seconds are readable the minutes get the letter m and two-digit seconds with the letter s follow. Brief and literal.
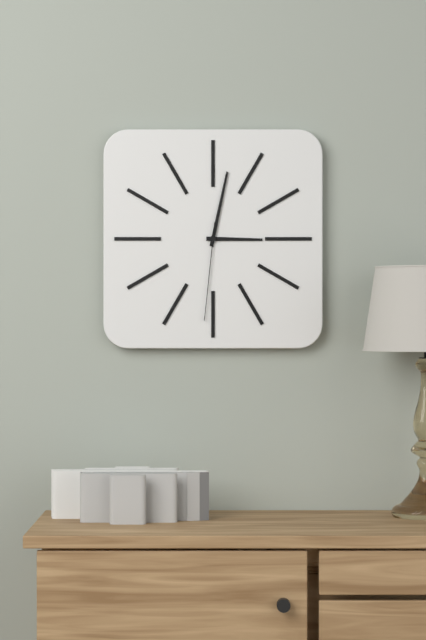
3h02m31s
